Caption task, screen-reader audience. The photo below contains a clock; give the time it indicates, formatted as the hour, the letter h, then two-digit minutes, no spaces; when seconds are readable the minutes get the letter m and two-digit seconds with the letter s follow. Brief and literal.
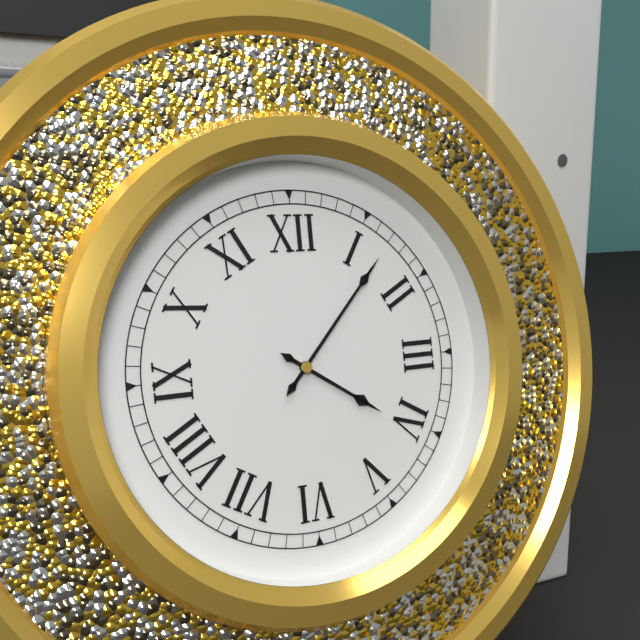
4h07
